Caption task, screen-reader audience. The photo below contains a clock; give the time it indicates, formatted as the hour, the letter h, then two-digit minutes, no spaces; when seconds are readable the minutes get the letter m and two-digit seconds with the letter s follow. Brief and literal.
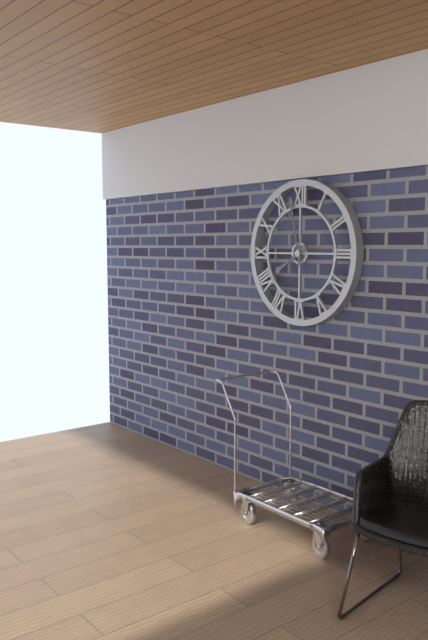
7h58
